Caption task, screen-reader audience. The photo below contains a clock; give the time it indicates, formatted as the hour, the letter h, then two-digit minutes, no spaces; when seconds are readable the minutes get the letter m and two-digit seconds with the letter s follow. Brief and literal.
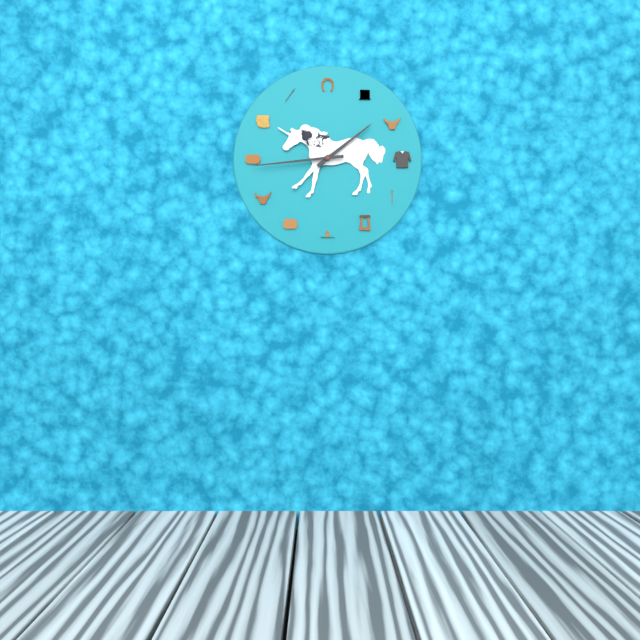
1h44
